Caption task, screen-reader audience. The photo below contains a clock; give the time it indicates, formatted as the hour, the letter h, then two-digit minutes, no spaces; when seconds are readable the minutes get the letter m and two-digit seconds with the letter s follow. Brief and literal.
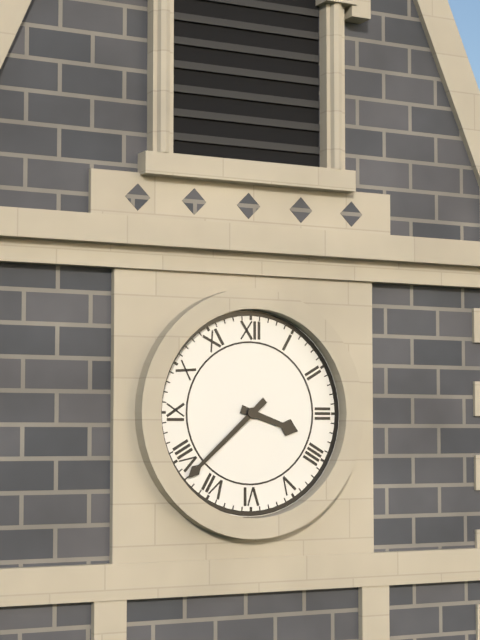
3h38
